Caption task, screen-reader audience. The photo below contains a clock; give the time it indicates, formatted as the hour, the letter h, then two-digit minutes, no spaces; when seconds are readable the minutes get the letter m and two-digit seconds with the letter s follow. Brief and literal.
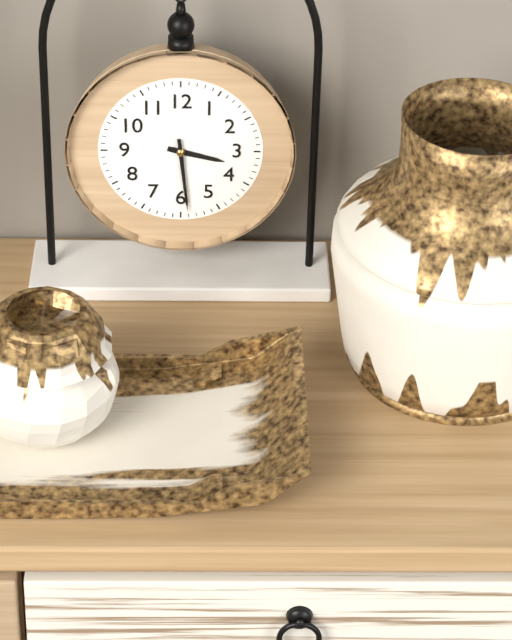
3h29
